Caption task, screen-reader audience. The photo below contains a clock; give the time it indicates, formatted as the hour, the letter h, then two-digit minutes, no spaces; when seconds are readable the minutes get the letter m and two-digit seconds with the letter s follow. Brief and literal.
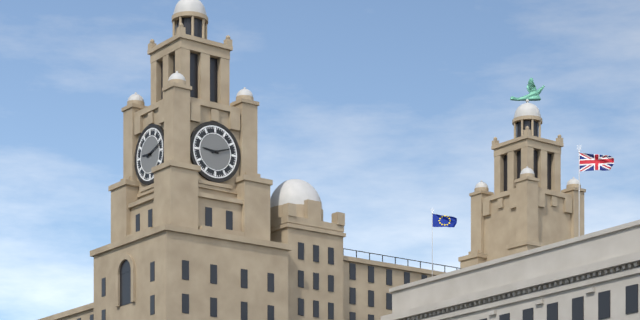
9h12
